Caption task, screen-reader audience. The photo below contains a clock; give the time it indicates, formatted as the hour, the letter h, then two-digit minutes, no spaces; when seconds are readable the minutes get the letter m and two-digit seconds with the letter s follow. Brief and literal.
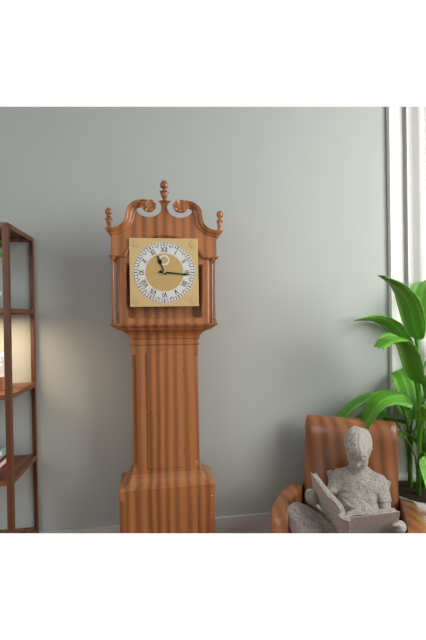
11h16
